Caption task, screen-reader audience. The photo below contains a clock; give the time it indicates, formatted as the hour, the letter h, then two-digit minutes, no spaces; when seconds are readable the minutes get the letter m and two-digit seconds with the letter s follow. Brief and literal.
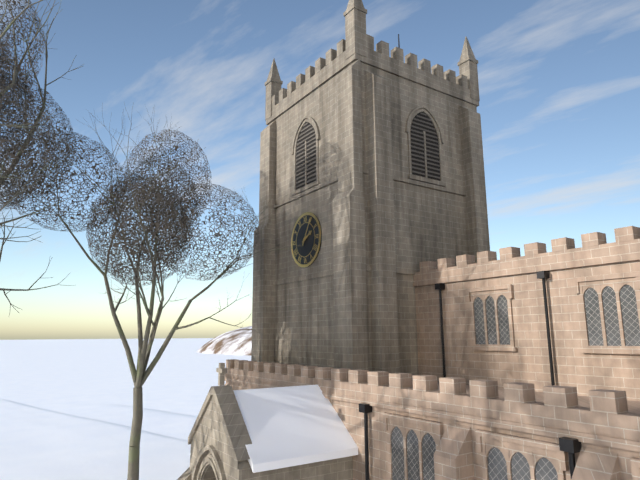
2h05
